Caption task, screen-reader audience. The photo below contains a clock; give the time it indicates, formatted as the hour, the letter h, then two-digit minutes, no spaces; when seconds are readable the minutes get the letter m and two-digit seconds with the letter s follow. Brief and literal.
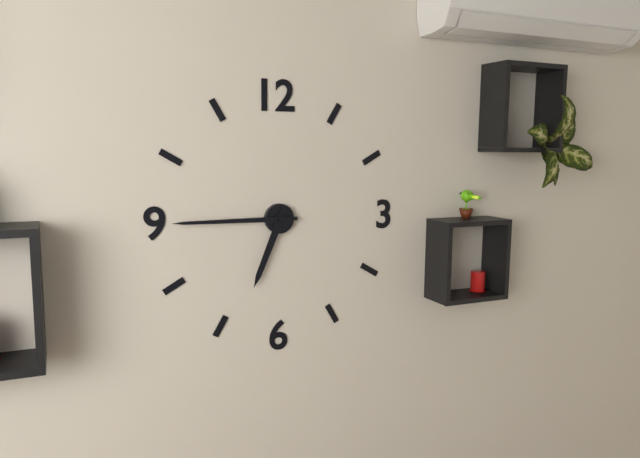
6h45
